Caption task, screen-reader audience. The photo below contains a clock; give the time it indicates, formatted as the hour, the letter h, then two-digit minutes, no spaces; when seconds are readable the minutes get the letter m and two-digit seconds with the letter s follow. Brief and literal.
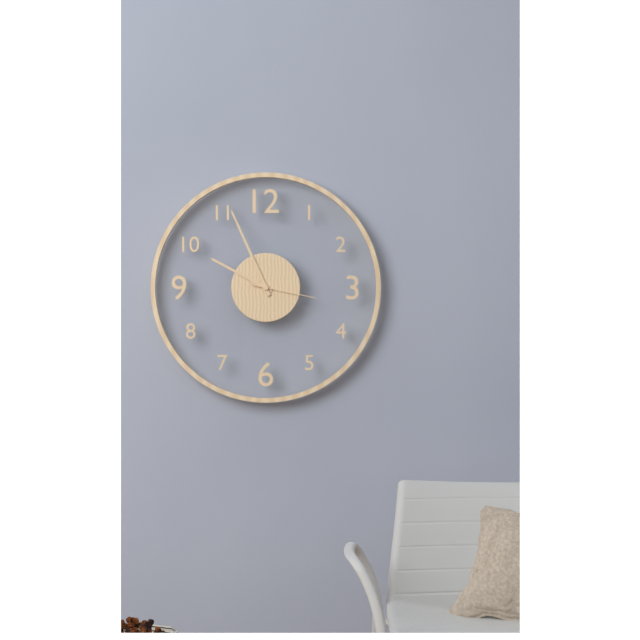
9h56m17s
